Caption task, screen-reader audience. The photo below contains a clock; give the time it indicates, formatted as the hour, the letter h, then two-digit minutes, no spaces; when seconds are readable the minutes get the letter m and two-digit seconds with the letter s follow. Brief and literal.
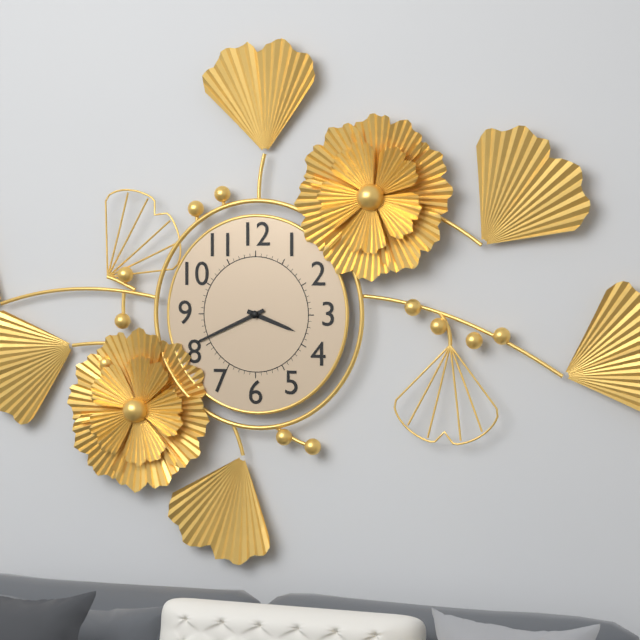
3h41
